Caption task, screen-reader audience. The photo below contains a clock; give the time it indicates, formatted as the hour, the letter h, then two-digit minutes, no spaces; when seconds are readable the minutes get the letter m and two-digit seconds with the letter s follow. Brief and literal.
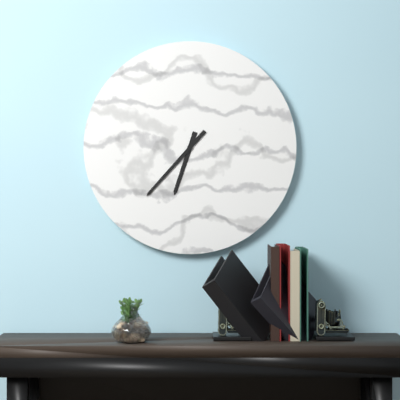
6h37
